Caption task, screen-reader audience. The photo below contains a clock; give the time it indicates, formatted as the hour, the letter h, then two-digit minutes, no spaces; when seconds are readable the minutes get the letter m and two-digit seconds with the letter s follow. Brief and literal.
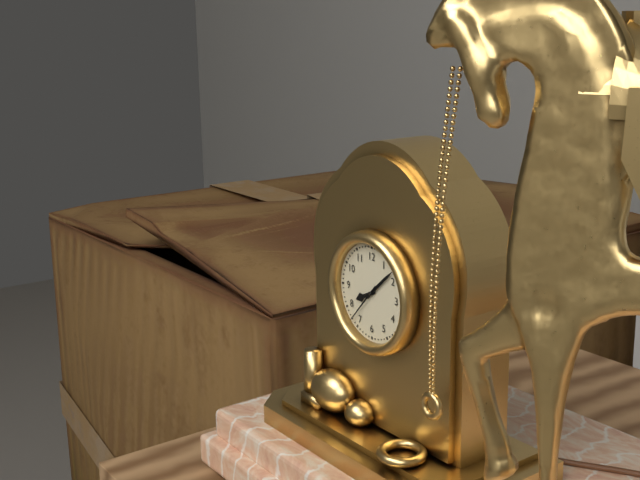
8h08
